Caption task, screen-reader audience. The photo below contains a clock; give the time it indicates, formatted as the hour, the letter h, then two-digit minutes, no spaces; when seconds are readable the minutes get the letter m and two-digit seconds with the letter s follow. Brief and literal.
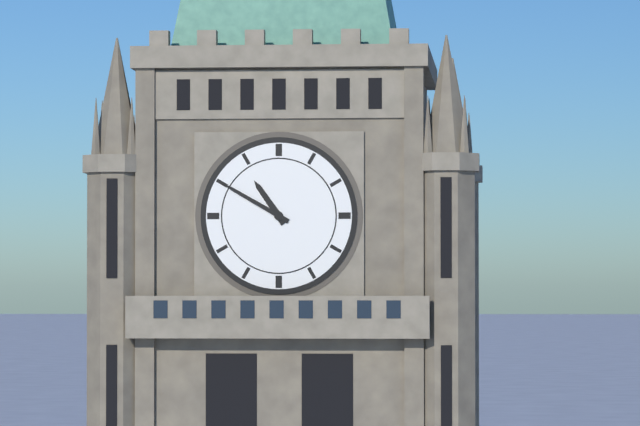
10h50
